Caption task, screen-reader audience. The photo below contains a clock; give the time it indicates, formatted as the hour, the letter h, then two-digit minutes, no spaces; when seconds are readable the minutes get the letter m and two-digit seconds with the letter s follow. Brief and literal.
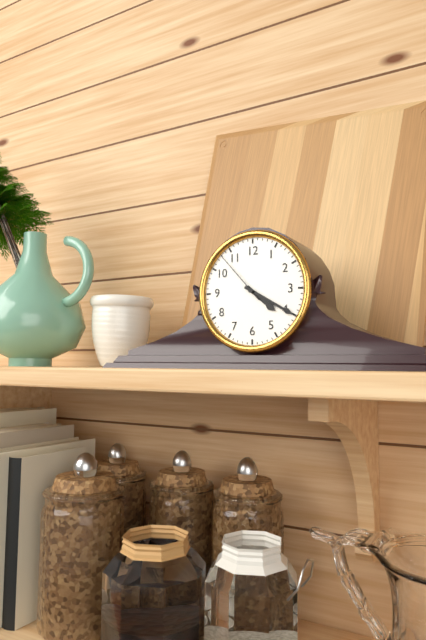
4h20m53s
